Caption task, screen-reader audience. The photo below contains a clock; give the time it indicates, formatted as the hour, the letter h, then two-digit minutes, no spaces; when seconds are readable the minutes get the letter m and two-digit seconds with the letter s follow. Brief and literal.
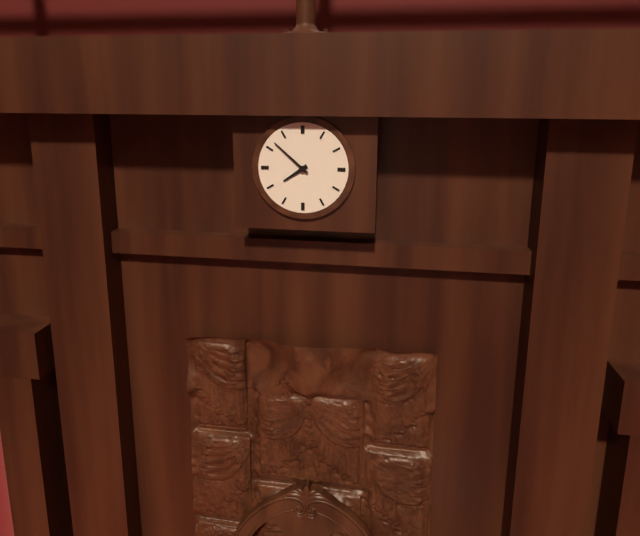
7h52
